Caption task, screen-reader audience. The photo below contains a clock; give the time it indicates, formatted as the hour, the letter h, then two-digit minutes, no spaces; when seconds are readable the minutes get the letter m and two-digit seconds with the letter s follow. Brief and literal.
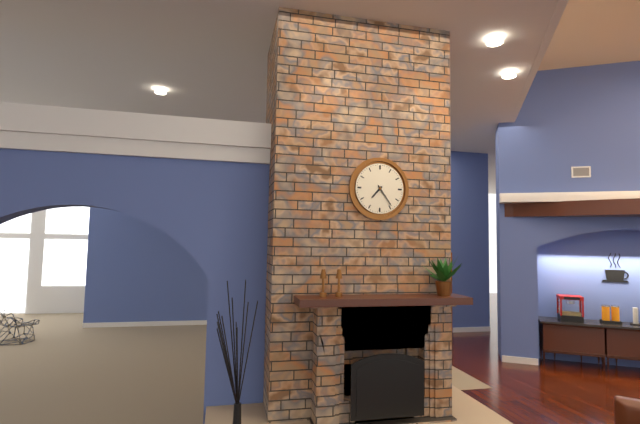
7h24
